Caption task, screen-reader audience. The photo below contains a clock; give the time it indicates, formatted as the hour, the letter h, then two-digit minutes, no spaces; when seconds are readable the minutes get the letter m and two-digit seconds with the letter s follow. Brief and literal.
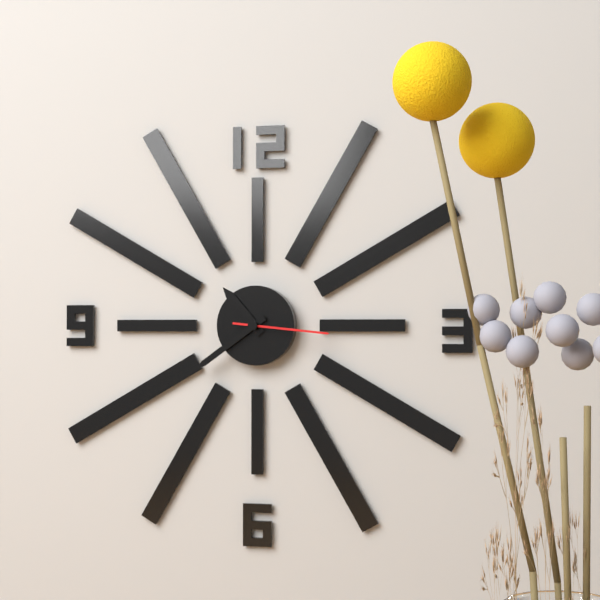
10h39m16s
